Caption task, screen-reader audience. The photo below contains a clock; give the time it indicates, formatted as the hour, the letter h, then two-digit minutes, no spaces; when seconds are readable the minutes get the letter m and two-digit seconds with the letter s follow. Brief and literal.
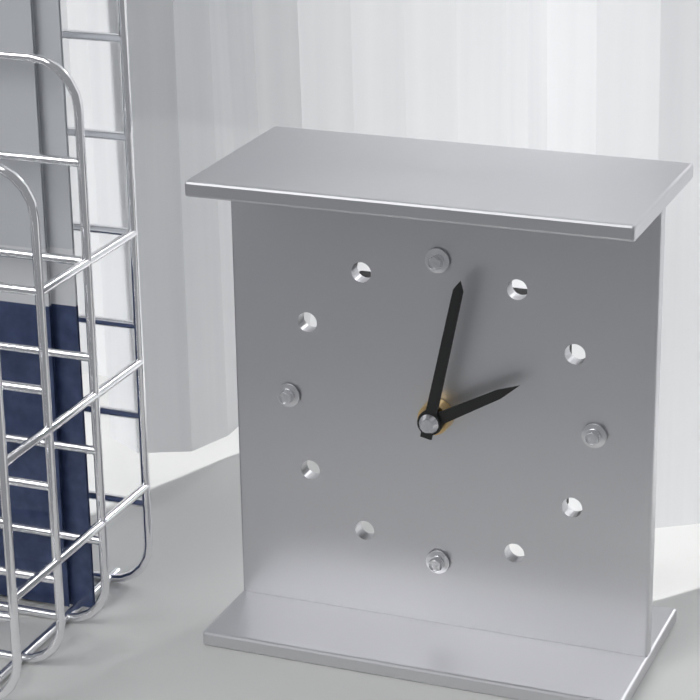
2h02
